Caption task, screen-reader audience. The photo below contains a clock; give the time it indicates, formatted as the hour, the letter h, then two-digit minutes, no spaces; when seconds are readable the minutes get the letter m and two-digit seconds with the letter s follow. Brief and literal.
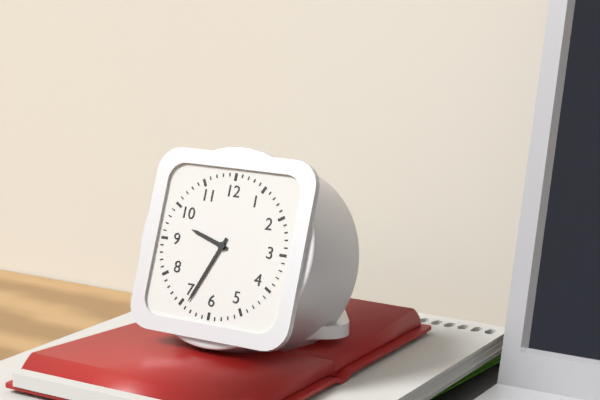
9h34
